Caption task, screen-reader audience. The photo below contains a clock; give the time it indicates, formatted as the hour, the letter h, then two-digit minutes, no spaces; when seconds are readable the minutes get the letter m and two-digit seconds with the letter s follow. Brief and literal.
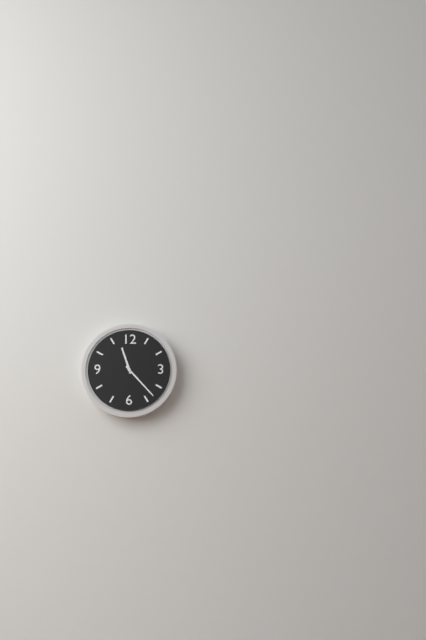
11h23
